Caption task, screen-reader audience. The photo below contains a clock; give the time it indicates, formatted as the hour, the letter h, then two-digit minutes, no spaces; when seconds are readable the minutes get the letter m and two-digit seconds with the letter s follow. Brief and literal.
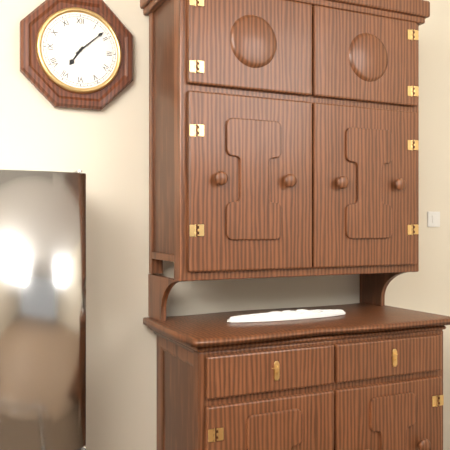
7h08
